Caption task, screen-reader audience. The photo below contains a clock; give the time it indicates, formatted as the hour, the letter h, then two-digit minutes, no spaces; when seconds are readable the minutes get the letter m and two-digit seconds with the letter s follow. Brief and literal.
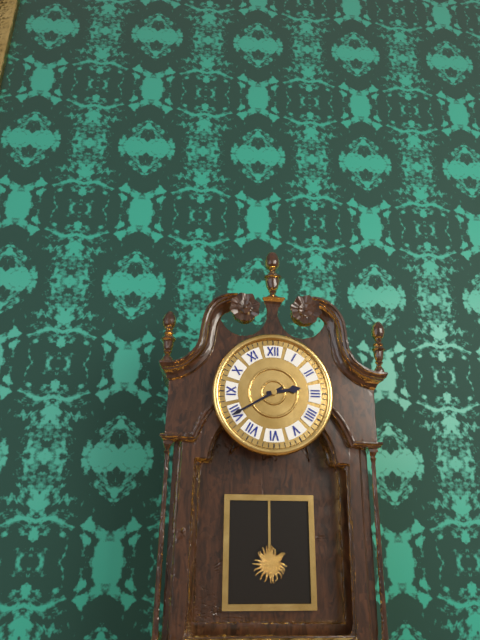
2h40
